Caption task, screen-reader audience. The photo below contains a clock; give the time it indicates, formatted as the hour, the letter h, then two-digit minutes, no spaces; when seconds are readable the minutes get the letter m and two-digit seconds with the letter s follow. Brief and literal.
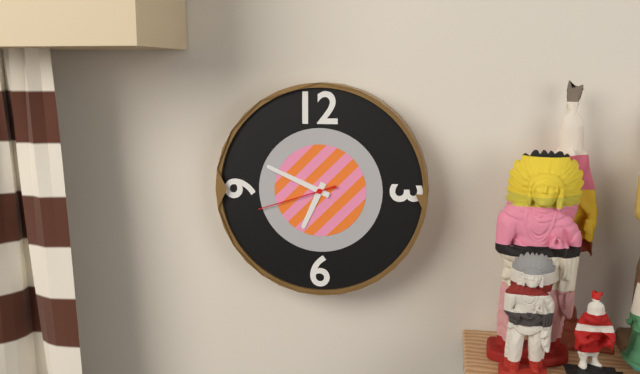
6h49m42s
